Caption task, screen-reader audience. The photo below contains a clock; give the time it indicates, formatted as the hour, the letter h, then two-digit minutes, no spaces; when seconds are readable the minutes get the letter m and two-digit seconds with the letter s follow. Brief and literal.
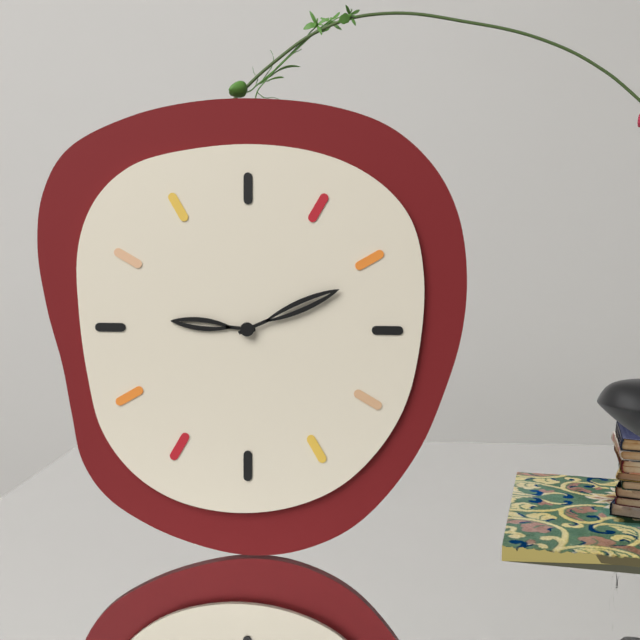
9h11
